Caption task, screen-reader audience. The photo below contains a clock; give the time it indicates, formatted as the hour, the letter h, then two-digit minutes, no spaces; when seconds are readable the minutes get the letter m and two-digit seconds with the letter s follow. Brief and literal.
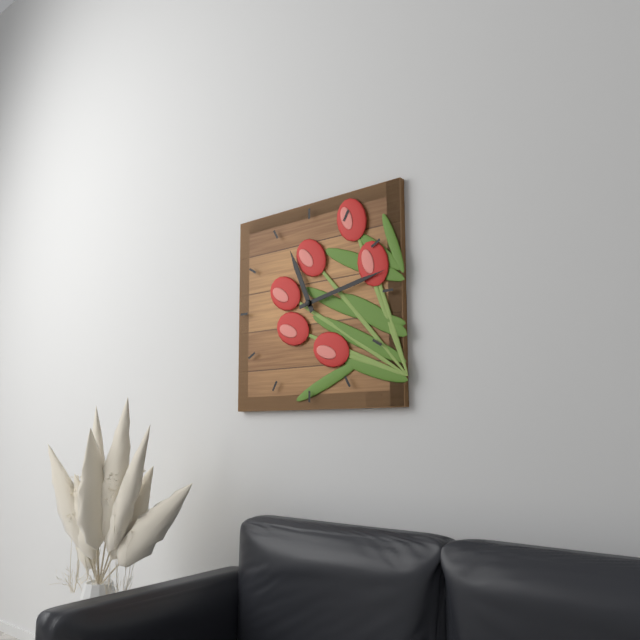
11h13
